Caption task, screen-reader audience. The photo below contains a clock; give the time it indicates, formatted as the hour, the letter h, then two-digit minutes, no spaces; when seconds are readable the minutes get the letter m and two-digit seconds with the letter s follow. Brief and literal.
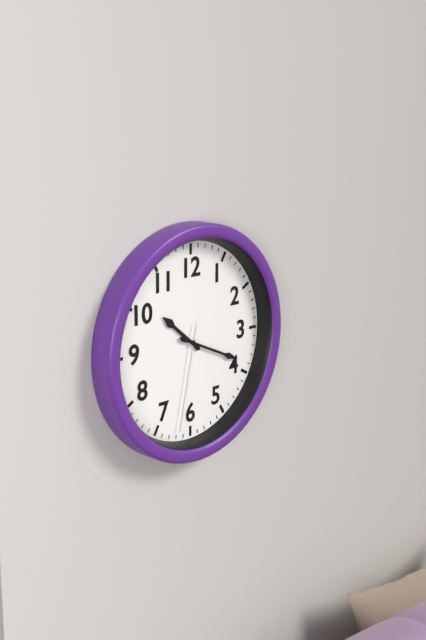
10h19m32s
